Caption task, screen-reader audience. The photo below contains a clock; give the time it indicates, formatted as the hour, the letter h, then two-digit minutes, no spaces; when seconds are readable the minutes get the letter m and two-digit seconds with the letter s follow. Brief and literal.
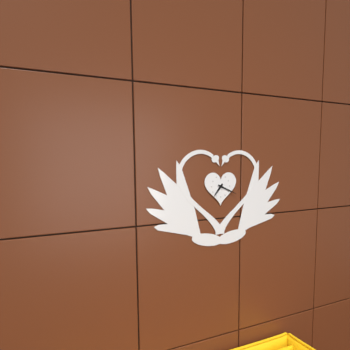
7h19
